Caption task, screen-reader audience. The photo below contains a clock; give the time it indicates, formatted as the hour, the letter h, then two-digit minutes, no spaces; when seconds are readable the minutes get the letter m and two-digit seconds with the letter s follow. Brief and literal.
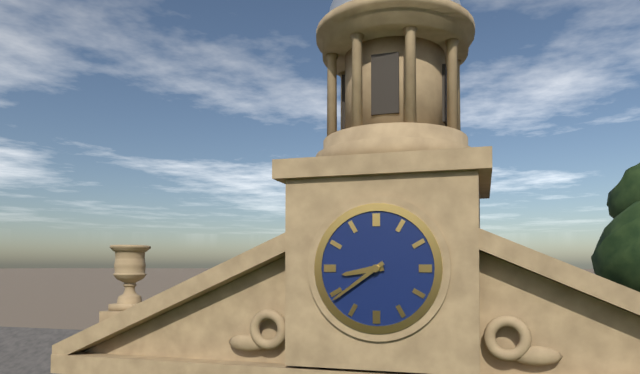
8h39
